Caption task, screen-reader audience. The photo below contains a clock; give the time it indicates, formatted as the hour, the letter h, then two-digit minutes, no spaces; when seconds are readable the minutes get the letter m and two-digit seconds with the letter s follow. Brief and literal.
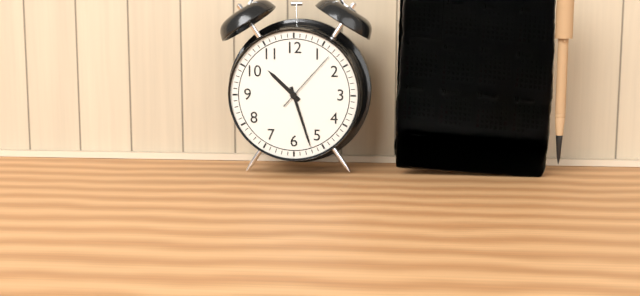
10h27m07s
